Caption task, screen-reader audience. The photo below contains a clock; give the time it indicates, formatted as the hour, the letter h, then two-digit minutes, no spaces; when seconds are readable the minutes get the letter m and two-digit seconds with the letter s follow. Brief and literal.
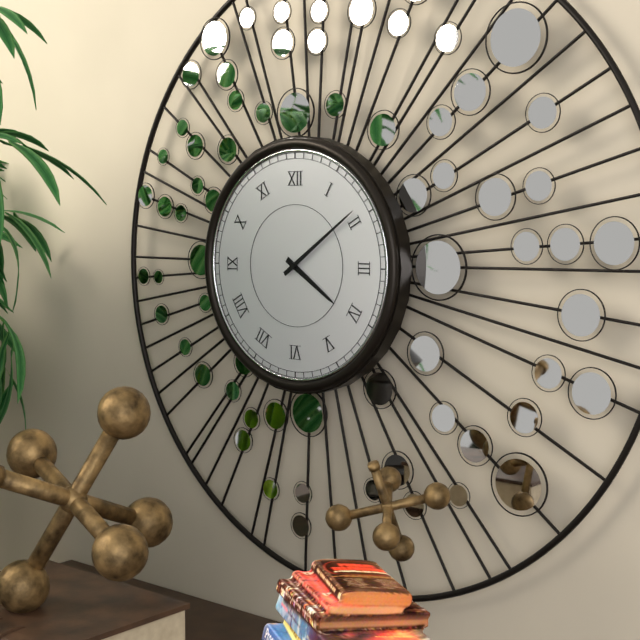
4h09
